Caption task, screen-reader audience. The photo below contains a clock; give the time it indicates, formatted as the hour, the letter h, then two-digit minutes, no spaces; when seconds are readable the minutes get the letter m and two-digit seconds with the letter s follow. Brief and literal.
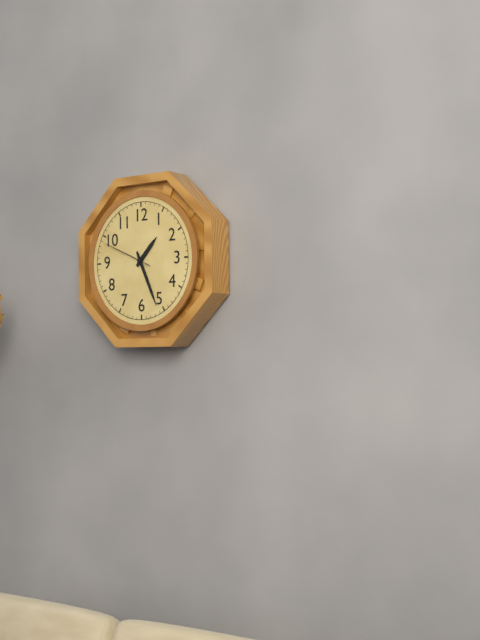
1h26m49s
